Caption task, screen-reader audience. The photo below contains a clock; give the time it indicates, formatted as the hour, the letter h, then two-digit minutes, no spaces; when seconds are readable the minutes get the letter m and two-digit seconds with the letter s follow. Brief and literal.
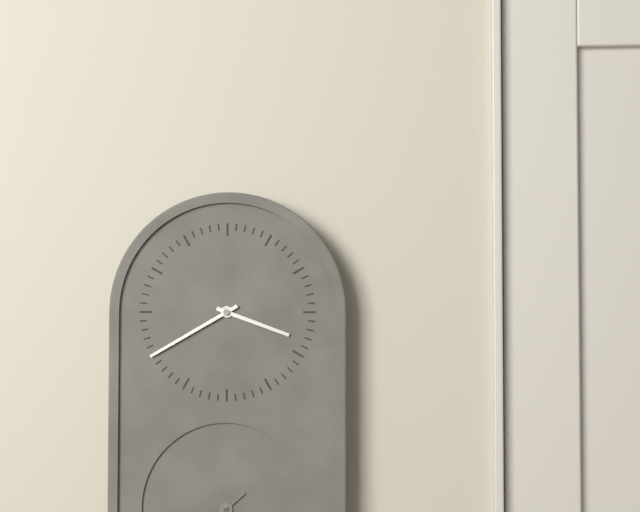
3h40
